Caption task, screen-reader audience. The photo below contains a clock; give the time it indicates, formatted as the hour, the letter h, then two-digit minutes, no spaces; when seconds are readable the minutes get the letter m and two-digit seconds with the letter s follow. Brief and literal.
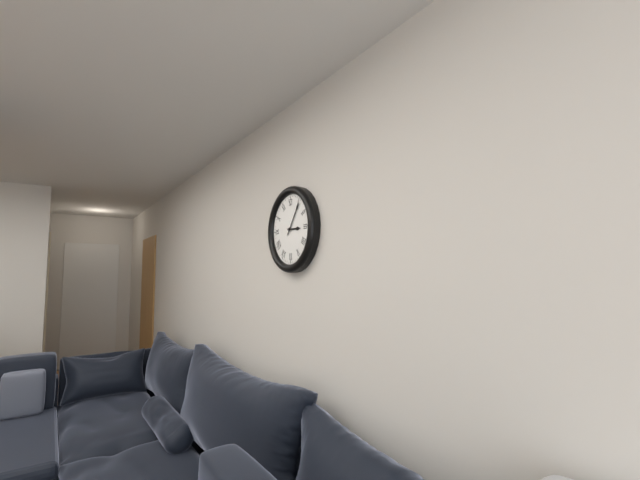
3h06
